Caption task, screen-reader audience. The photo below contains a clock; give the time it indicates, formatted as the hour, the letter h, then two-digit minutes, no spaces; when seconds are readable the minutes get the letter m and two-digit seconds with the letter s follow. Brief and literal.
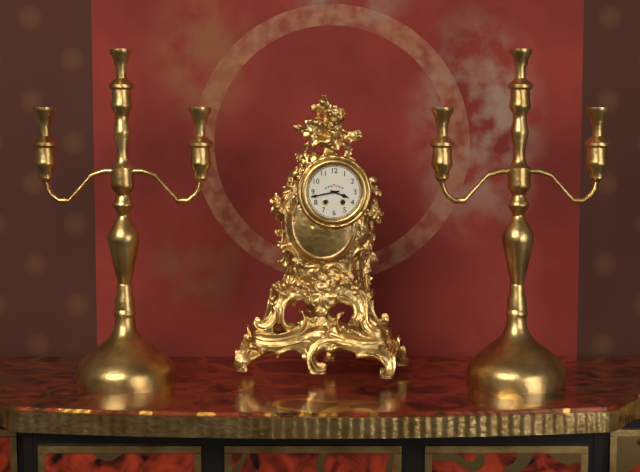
3h43
